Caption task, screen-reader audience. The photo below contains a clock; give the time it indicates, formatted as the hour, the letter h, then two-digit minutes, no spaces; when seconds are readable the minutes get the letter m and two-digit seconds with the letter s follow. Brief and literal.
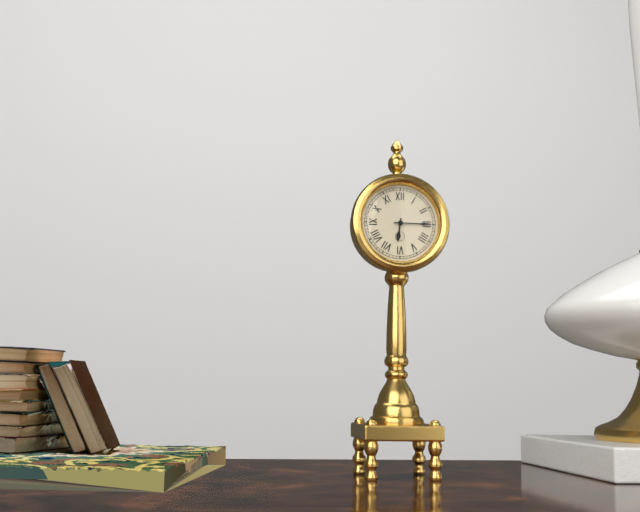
6h15
